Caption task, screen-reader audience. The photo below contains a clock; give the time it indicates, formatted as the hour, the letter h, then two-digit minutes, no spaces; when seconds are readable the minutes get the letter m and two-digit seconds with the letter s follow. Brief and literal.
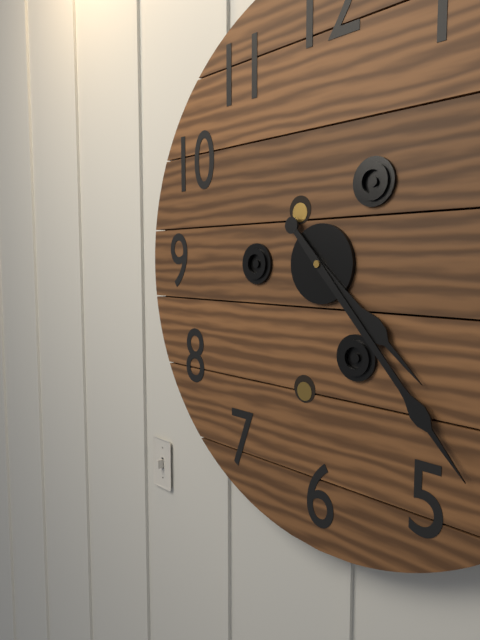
4h23
